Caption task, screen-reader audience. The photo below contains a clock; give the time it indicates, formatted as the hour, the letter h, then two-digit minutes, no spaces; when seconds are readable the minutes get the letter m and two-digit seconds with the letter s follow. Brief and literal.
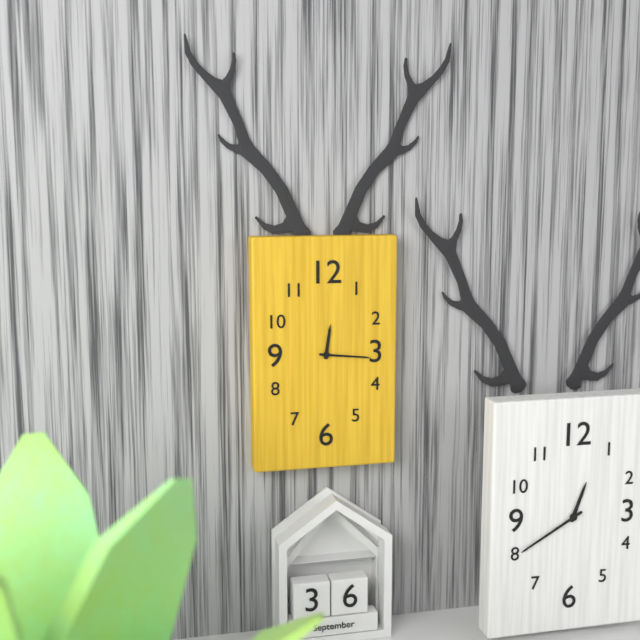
12h16
